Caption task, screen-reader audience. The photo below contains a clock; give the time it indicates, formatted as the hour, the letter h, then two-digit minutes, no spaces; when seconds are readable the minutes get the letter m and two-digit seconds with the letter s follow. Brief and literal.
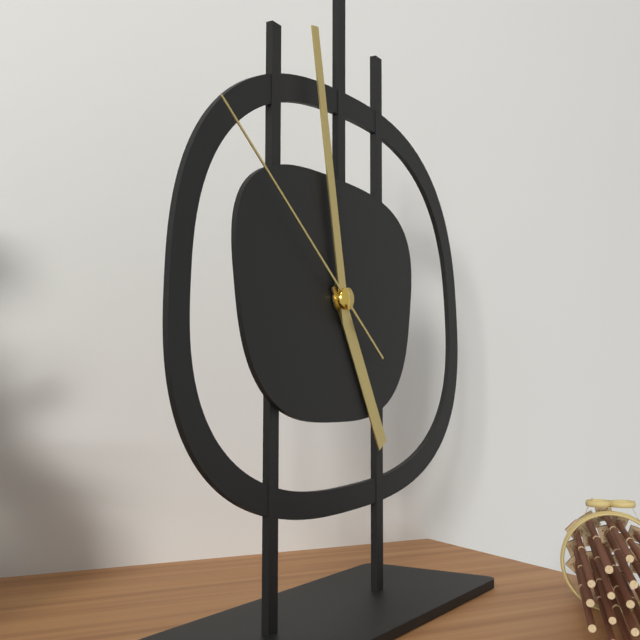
4h58m51s
